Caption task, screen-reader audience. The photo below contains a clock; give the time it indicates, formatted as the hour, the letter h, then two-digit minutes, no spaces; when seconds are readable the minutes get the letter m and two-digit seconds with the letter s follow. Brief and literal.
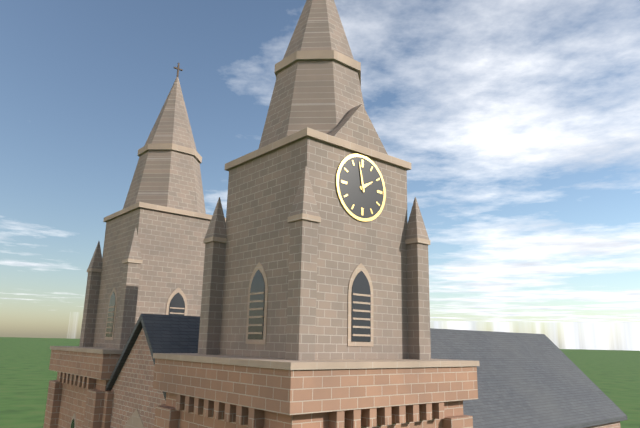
1h58
